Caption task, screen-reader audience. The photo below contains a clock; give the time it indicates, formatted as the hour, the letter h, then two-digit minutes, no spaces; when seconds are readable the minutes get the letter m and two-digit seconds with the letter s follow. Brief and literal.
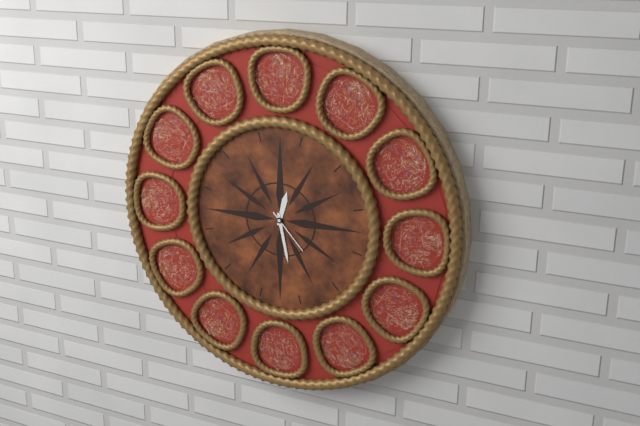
12h28
